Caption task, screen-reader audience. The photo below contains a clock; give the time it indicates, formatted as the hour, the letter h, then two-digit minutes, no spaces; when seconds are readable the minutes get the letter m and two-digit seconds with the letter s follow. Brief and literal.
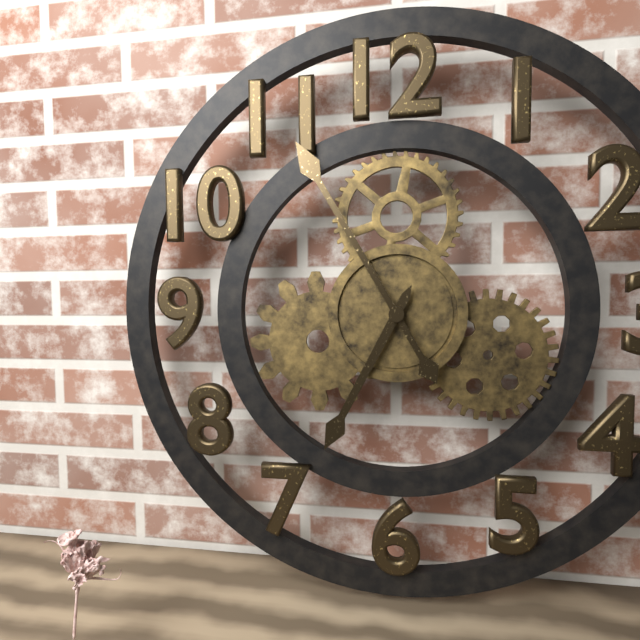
6h55
